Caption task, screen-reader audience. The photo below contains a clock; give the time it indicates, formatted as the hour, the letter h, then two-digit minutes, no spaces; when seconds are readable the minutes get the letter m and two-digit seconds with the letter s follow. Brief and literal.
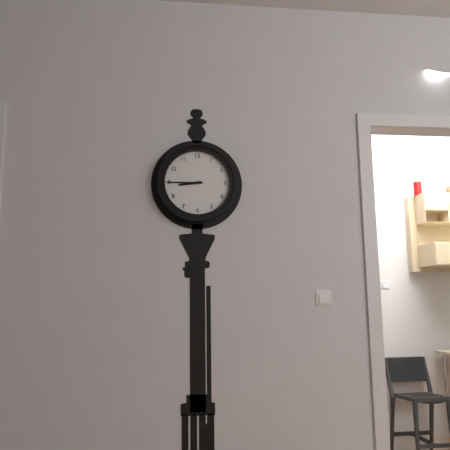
8h45
